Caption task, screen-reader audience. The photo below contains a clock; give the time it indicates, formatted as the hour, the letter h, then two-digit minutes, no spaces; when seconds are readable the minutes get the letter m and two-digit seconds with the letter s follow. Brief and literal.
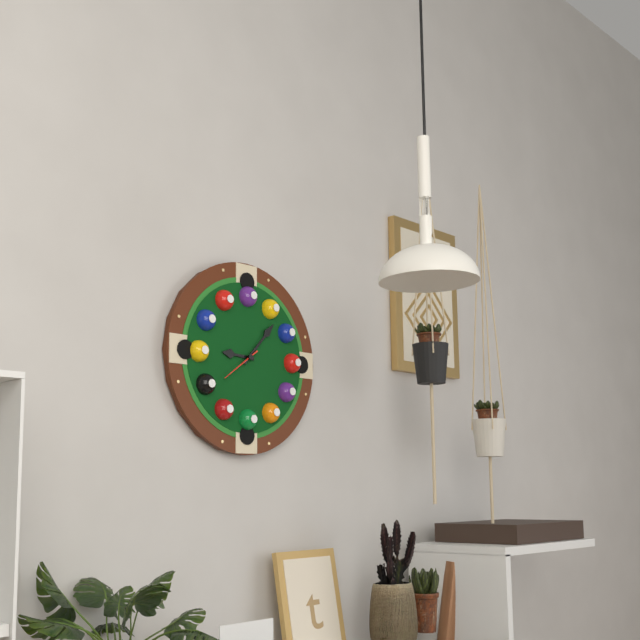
9h07
